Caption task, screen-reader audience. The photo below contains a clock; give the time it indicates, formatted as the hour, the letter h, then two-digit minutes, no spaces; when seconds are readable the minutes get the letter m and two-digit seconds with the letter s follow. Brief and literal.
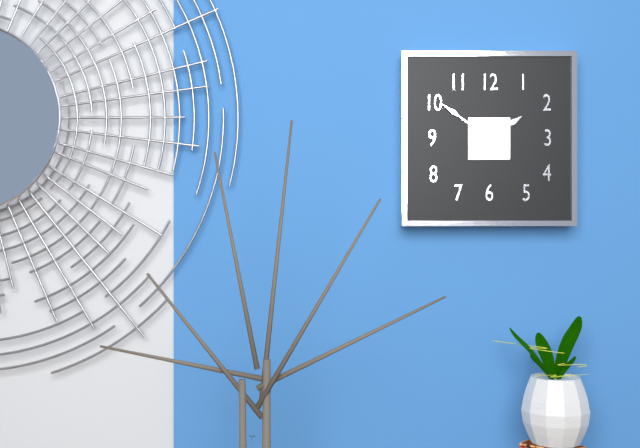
1h51
